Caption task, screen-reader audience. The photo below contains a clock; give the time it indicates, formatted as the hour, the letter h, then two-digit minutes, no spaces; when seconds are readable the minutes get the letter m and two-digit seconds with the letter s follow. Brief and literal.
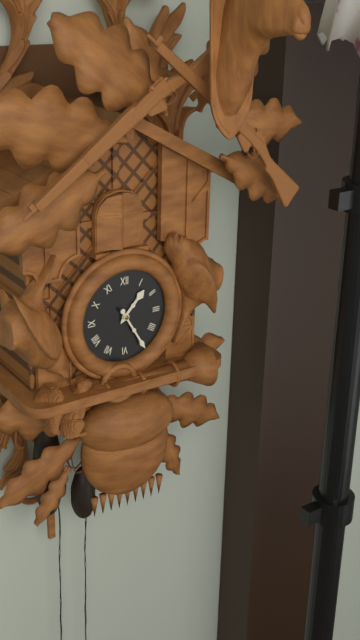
1h25
